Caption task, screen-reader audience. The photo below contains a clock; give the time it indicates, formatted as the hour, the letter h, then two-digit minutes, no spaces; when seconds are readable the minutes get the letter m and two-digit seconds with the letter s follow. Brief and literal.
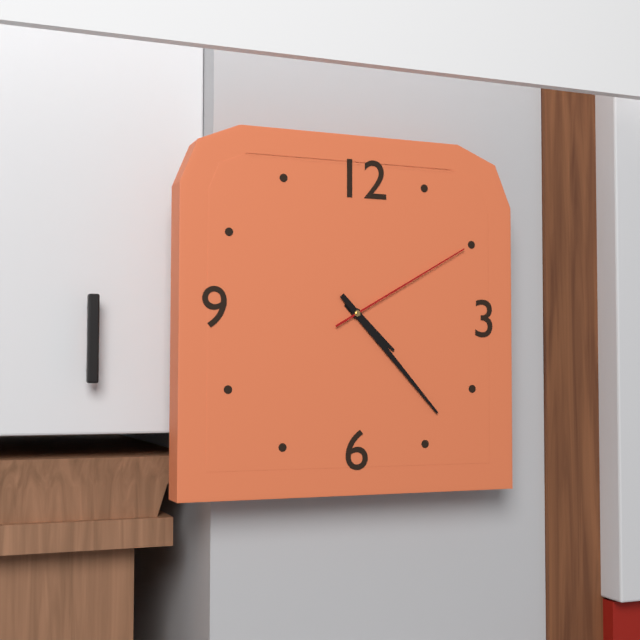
4h23m10s
